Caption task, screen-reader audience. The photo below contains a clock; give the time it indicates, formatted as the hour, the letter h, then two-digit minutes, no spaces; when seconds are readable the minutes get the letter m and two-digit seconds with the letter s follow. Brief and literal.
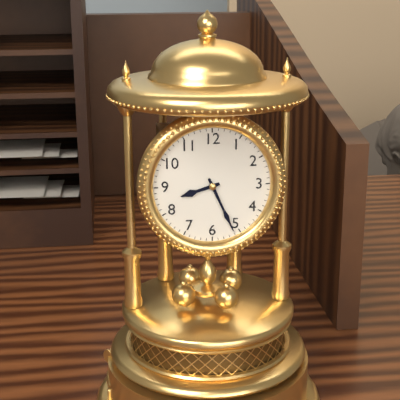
8h26
